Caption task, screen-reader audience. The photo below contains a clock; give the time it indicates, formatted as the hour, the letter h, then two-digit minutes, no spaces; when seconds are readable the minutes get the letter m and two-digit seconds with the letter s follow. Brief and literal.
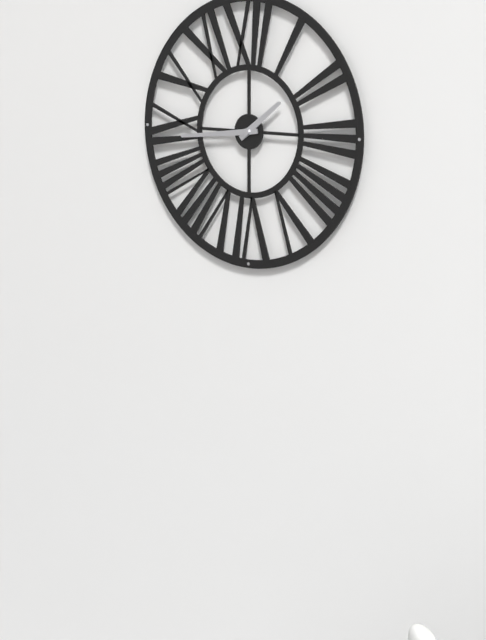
1h44
